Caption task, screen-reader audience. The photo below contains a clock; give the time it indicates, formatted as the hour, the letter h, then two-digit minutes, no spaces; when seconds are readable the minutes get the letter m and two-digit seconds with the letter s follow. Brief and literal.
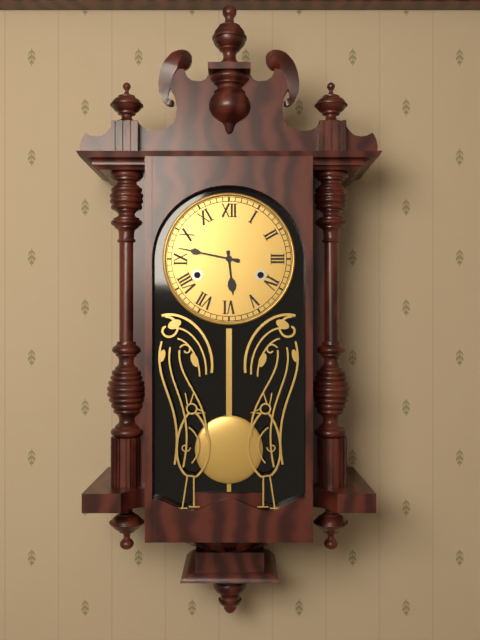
5h47
